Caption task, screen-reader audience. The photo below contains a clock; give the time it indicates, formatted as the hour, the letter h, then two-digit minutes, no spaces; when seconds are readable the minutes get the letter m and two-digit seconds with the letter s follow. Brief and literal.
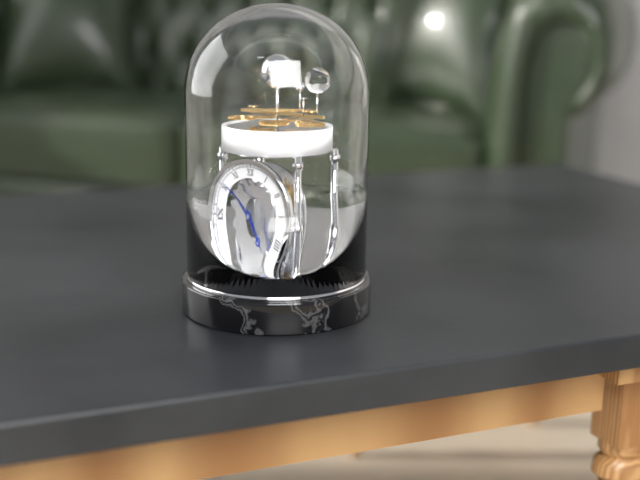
4h51
